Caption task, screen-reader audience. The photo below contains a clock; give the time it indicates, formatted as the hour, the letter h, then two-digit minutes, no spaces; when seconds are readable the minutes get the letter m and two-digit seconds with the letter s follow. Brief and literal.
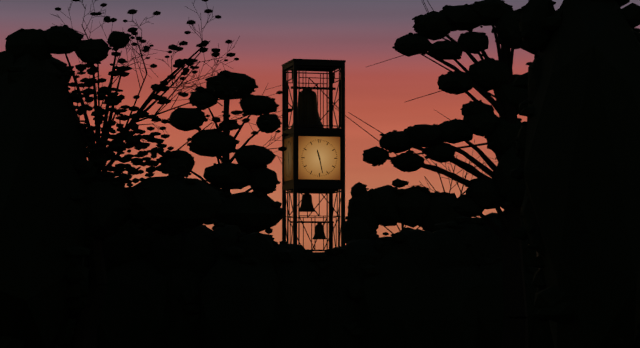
11h28
